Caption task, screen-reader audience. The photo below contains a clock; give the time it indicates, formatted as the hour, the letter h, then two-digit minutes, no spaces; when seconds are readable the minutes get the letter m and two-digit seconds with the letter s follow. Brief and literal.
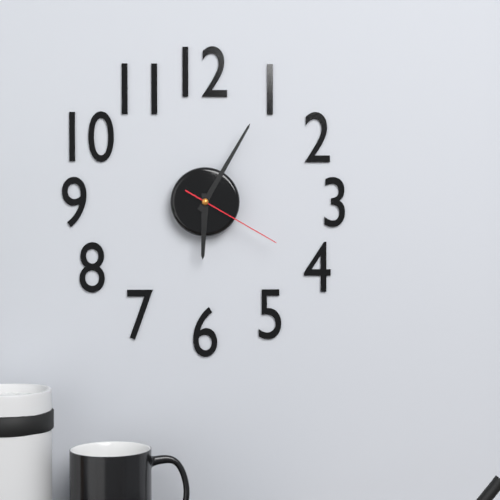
6h05m20s
